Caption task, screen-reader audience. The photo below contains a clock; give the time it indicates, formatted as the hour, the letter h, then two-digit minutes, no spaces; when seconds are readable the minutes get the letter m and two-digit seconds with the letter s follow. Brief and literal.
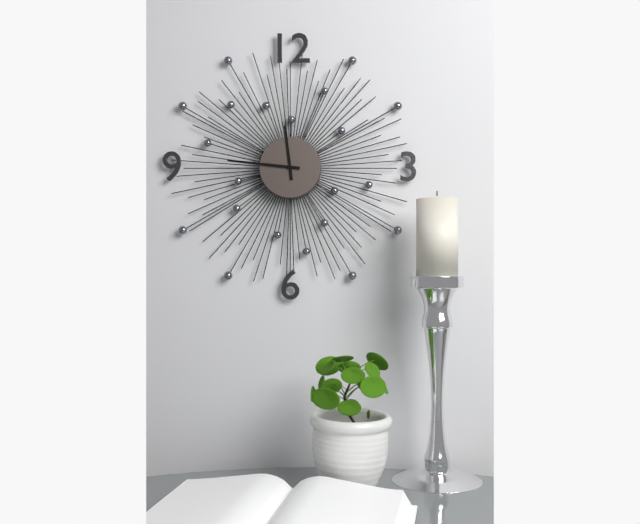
11h46
